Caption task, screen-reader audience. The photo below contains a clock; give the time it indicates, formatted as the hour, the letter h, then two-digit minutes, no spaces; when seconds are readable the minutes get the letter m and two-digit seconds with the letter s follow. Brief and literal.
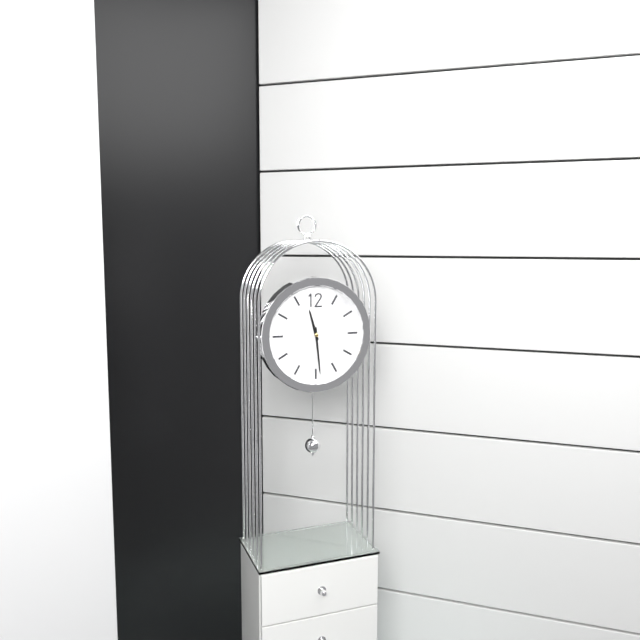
11h29
